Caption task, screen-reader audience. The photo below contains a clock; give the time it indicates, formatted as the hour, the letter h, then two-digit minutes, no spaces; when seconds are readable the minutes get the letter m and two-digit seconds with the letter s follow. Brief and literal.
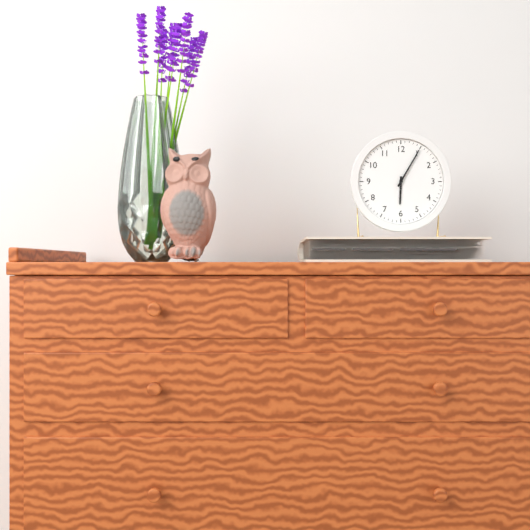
6h05
